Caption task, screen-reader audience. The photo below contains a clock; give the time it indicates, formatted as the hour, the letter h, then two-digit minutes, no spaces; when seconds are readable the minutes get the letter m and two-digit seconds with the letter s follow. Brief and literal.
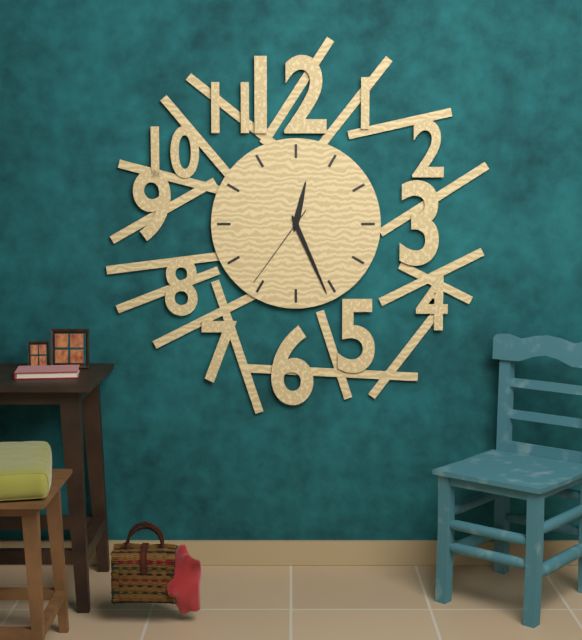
12h26m36s
